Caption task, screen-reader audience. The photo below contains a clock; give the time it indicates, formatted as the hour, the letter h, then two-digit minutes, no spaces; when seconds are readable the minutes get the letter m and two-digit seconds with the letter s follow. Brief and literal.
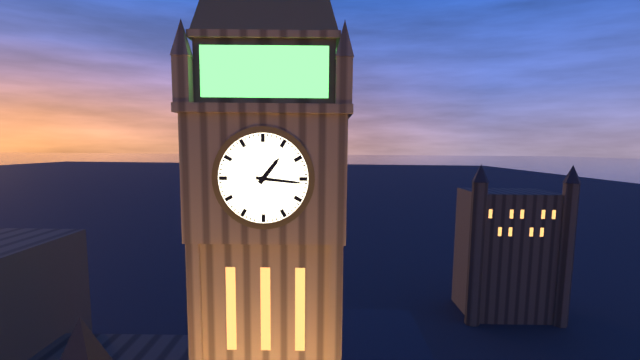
1h16
